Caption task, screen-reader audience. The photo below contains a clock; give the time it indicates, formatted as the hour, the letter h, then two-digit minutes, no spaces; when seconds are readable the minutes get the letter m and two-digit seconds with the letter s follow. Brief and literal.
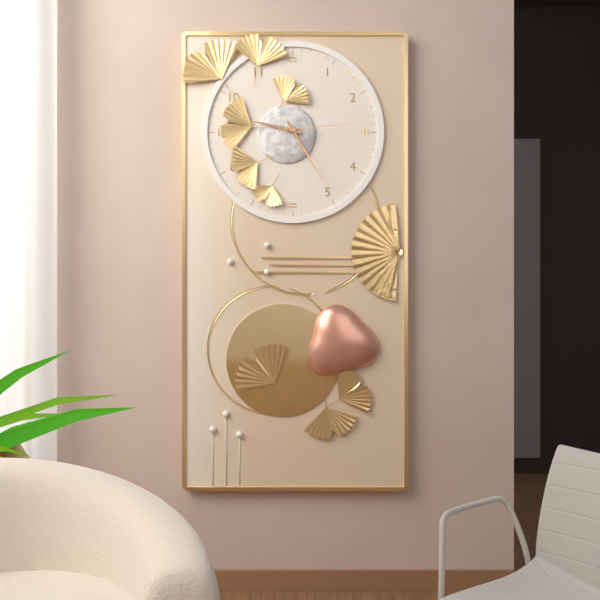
9h25m14s
